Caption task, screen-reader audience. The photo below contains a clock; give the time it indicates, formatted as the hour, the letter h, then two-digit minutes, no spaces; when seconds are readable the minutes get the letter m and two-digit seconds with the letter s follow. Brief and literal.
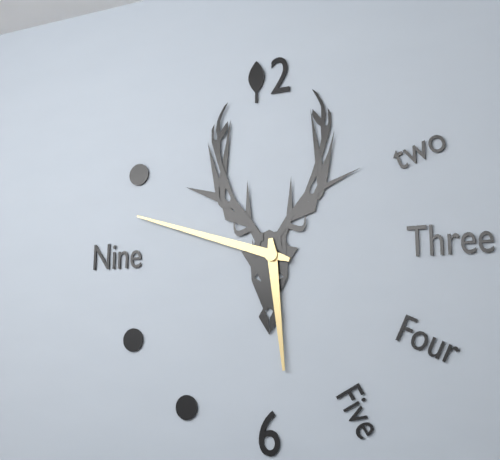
5h48
